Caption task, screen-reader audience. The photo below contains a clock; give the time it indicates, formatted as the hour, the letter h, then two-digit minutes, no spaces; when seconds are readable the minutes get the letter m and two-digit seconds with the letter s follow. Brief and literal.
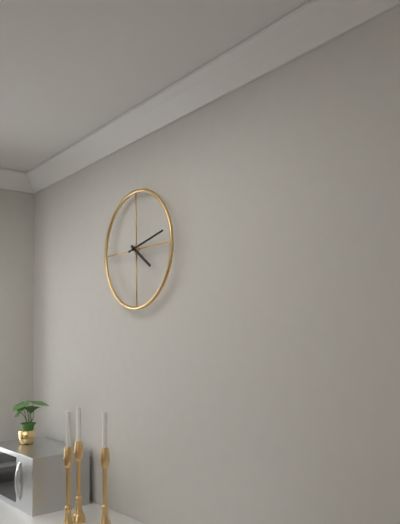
4h13
